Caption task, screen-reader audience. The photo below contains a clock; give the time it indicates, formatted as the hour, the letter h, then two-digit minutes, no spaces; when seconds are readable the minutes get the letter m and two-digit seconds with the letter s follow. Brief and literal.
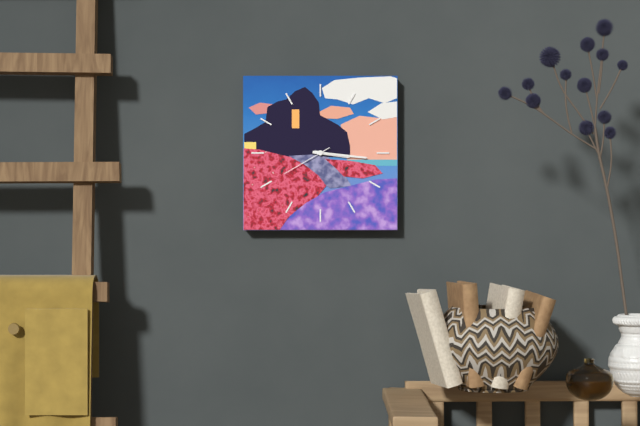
3h16m40s
